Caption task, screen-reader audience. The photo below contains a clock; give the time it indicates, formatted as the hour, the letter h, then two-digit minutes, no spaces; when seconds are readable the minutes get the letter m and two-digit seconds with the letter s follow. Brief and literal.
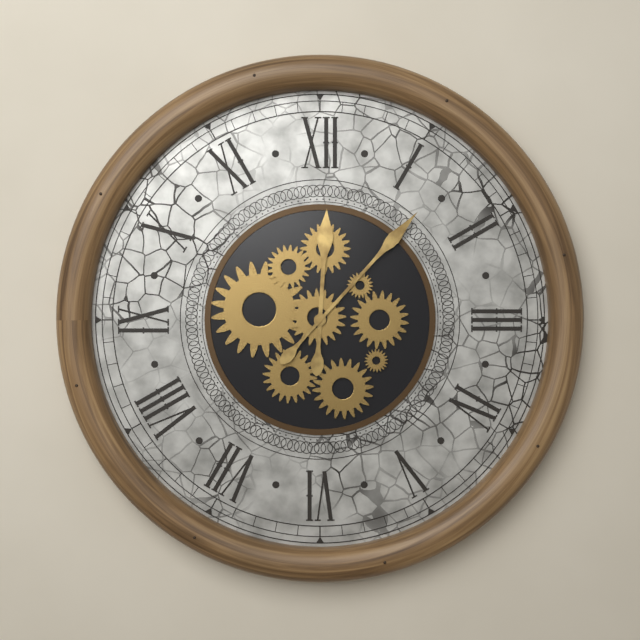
12h07
